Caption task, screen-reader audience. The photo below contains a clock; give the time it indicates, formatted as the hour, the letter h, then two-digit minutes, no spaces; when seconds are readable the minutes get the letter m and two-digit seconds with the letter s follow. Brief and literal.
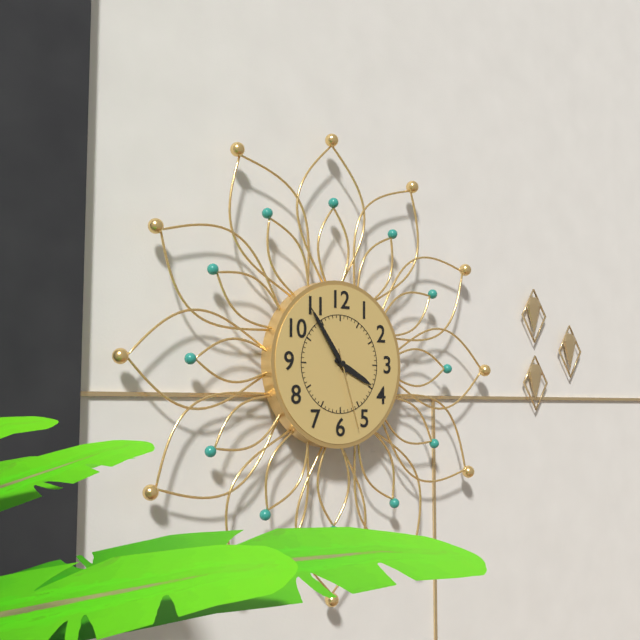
3h54m27s
